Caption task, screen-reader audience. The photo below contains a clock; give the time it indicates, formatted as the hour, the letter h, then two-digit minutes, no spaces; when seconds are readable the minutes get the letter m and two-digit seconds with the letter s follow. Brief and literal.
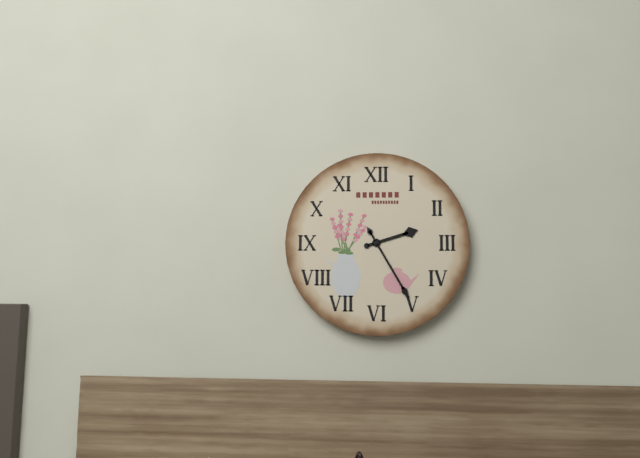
2h25
